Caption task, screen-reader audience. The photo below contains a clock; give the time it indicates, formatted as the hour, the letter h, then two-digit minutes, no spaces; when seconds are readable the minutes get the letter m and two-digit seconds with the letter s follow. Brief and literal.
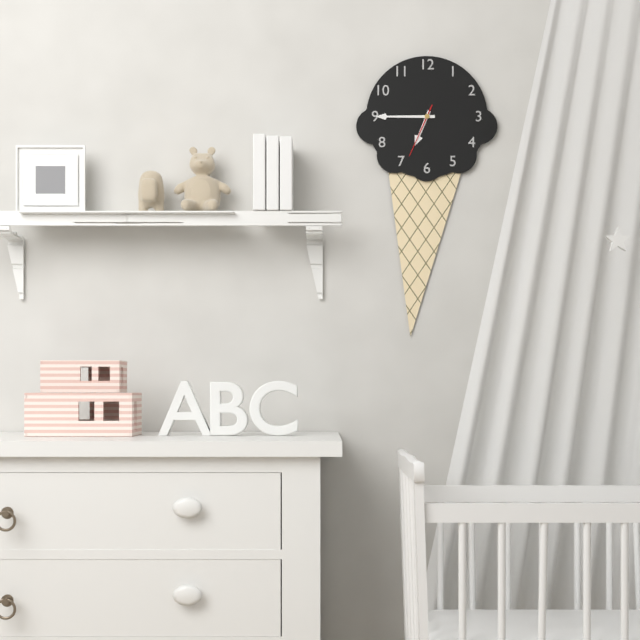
6h45m34s
